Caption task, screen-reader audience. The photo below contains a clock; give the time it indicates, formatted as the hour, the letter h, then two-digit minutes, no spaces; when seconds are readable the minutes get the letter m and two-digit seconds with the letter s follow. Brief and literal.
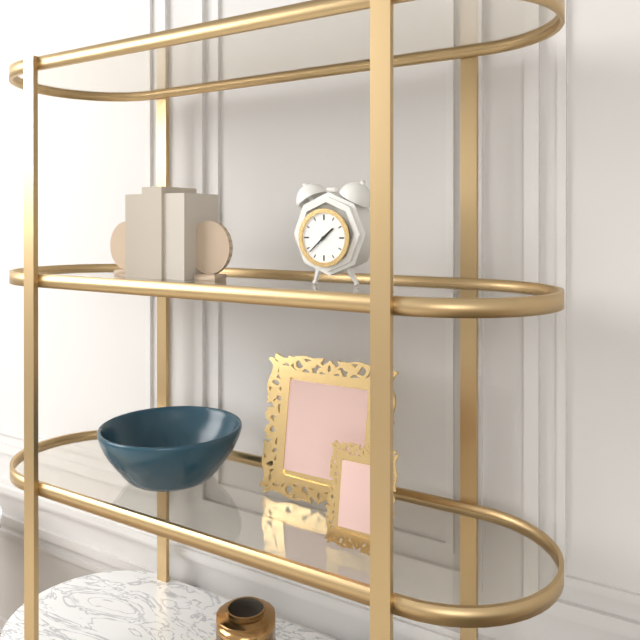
1h38
